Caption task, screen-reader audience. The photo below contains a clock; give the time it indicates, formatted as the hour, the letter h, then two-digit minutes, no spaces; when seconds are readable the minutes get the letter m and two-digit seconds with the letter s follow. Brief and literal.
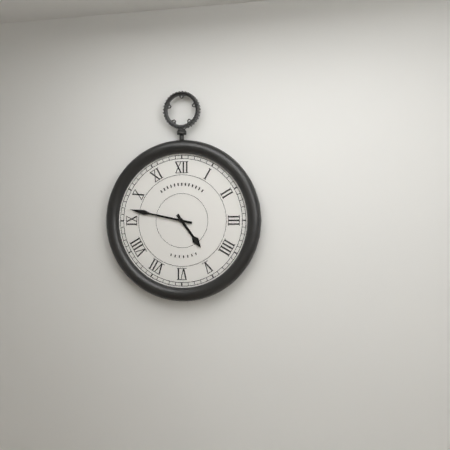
4h47
